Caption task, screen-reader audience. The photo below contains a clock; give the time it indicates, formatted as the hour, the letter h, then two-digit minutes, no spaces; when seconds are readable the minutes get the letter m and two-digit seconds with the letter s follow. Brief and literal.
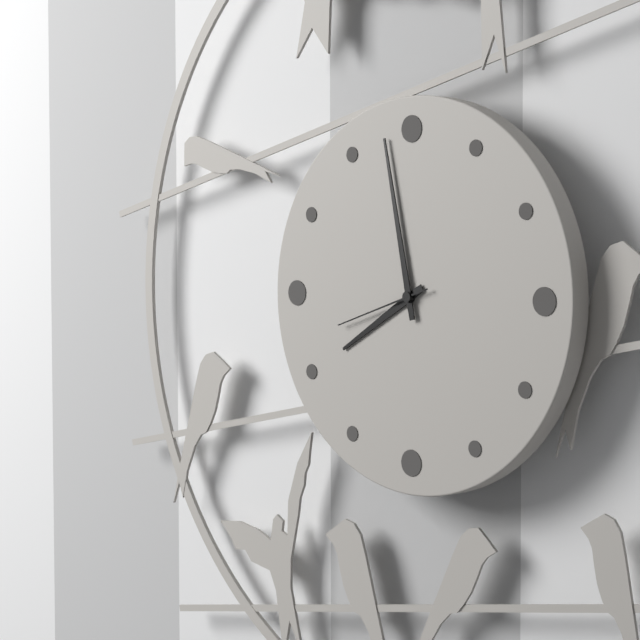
7h58m42s
